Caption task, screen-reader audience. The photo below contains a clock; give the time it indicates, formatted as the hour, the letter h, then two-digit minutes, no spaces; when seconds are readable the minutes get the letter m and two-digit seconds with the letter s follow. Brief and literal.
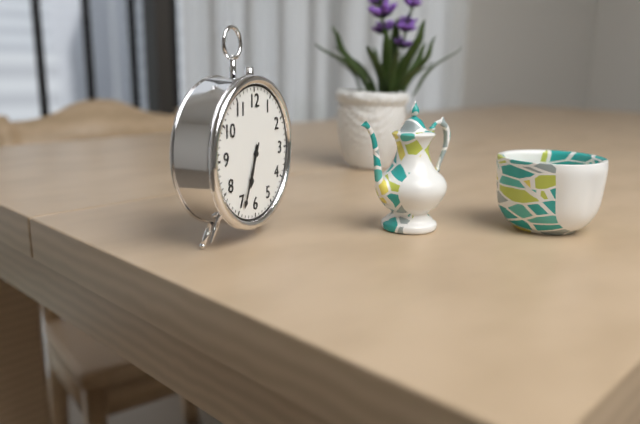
6h34
